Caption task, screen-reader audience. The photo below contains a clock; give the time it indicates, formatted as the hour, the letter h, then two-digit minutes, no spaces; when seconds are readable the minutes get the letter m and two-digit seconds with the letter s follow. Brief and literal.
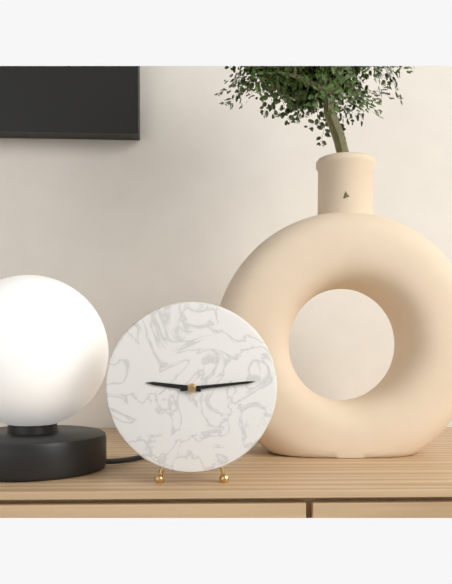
9h14
